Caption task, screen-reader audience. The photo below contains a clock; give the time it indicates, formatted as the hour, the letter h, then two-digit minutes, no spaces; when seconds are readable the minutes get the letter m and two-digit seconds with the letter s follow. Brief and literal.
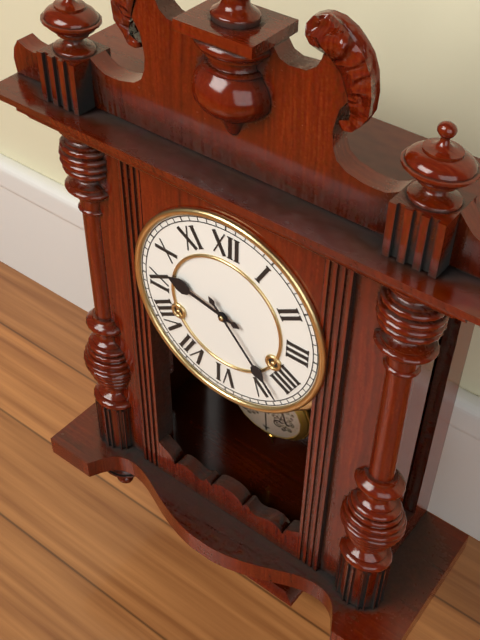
9h23
